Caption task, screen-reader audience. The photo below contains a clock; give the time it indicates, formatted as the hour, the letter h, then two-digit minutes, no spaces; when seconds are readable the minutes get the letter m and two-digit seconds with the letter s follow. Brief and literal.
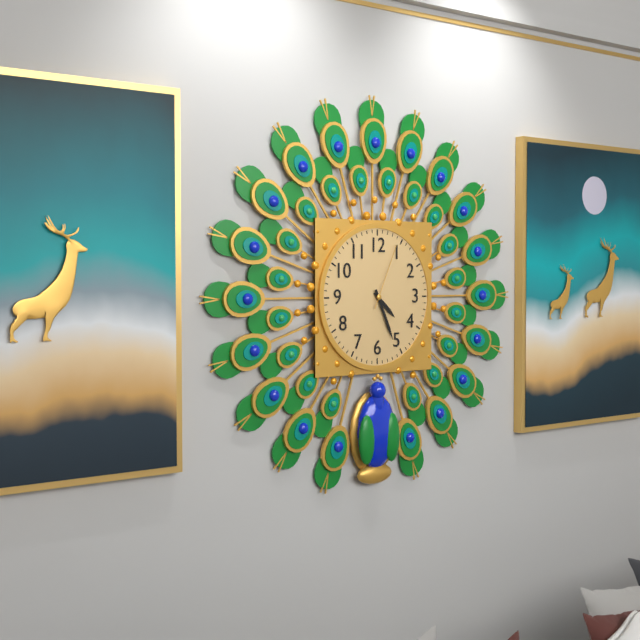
4h26m04s
